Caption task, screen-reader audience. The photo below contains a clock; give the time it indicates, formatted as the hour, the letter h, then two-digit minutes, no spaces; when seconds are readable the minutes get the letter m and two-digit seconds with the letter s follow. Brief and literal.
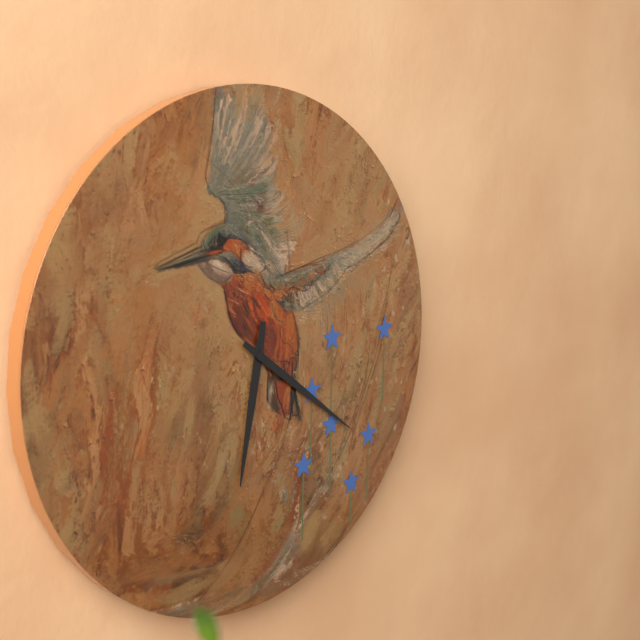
6h21
